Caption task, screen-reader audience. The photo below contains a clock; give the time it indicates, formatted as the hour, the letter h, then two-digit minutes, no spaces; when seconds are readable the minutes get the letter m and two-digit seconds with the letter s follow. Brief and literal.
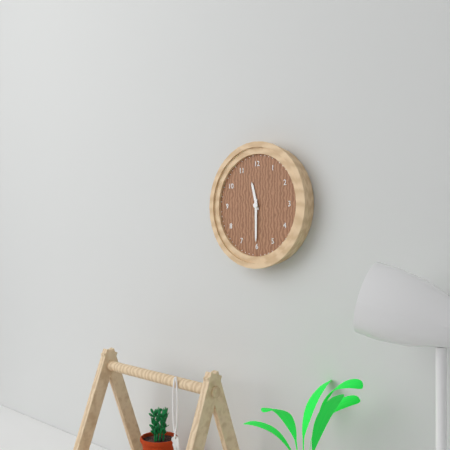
11h30
